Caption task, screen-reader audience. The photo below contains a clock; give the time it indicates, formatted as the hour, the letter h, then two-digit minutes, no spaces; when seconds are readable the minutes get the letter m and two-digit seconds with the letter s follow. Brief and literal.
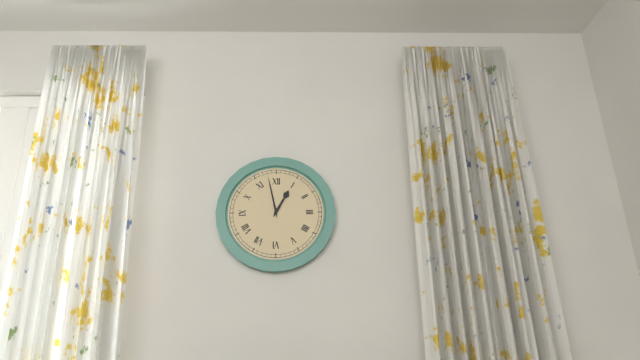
12h58
